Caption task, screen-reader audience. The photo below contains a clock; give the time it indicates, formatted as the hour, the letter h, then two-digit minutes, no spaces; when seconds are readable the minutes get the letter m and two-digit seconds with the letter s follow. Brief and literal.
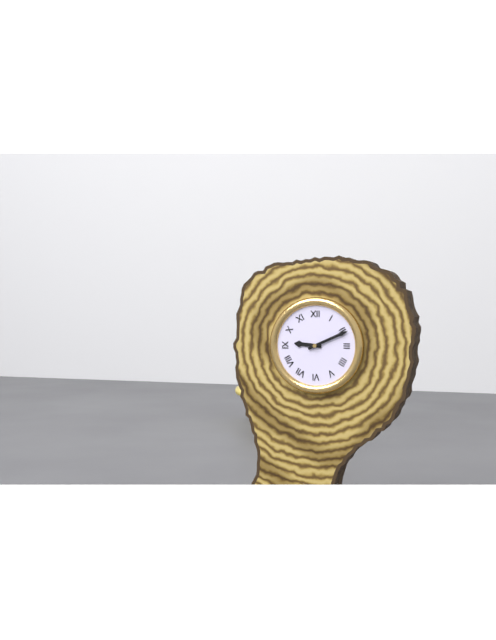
9h11
